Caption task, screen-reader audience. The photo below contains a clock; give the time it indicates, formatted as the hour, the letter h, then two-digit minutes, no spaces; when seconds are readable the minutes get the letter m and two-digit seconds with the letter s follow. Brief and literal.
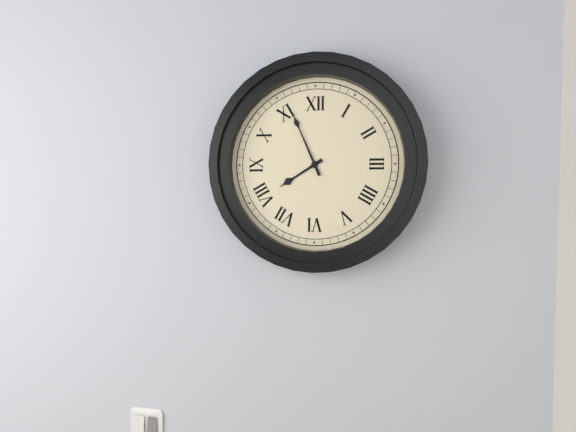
7h56
